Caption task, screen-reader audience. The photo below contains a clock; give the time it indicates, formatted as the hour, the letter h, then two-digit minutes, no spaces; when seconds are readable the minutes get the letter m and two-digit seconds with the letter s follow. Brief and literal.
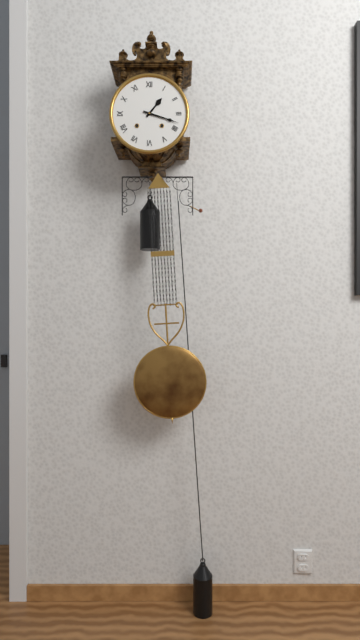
1h18
